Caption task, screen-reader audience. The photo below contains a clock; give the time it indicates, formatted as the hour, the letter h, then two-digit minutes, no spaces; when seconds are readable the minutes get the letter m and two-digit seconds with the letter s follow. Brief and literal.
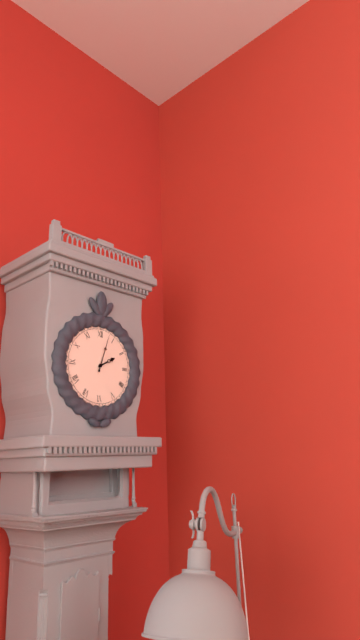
2h03
